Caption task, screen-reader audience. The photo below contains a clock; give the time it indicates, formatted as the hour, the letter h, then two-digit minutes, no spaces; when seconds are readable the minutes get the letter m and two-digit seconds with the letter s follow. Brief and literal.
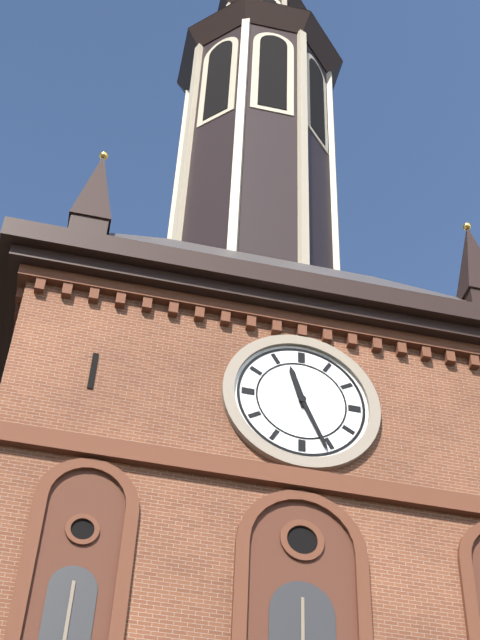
11h26
